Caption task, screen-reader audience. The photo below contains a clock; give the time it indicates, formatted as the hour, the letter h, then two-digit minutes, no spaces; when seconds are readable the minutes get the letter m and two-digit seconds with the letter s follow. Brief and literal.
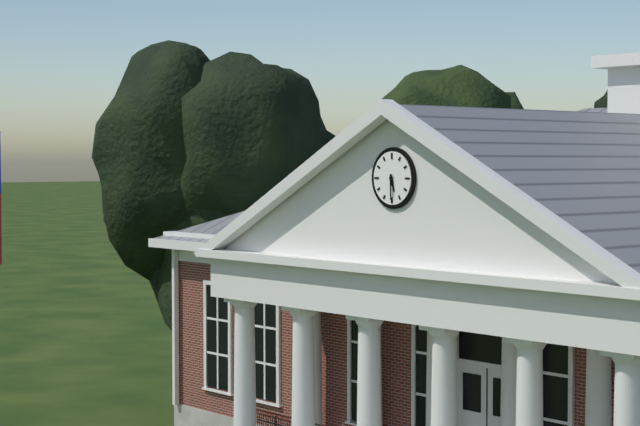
5h30
